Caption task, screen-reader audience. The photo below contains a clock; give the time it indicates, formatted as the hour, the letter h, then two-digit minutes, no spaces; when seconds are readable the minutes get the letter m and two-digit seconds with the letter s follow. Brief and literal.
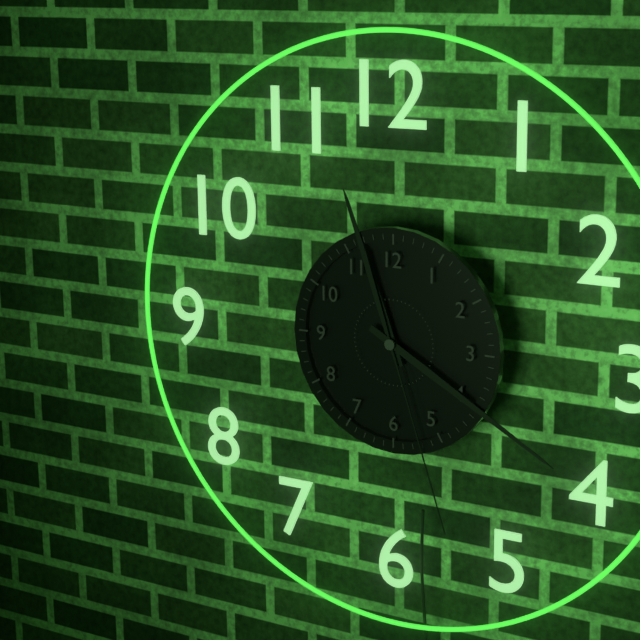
11h20m27s
